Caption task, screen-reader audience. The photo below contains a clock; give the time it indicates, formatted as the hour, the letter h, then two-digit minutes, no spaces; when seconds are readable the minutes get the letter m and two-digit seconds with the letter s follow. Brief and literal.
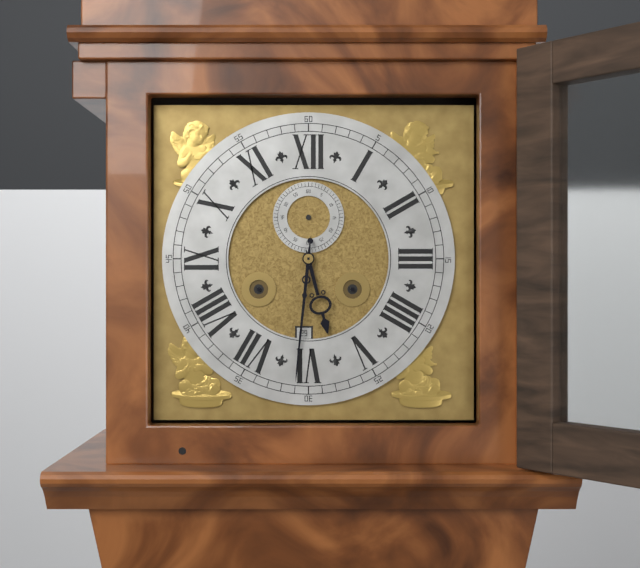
5h31
